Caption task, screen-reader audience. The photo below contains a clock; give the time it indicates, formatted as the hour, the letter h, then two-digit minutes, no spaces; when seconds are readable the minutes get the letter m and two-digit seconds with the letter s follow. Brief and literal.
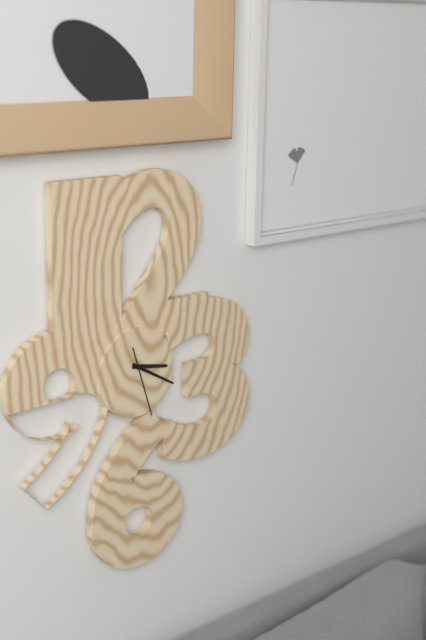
3h20m27s
